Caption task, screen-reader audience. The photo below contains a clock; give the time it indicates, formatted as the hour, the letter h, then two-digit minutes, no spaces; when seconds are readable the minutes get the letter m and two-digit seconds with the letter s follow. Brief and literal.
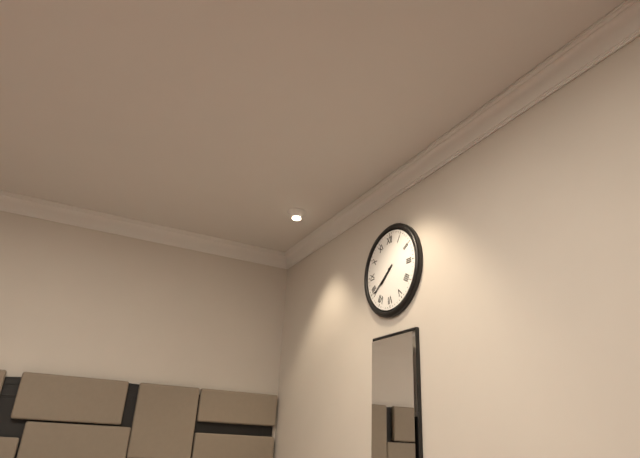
7h39
